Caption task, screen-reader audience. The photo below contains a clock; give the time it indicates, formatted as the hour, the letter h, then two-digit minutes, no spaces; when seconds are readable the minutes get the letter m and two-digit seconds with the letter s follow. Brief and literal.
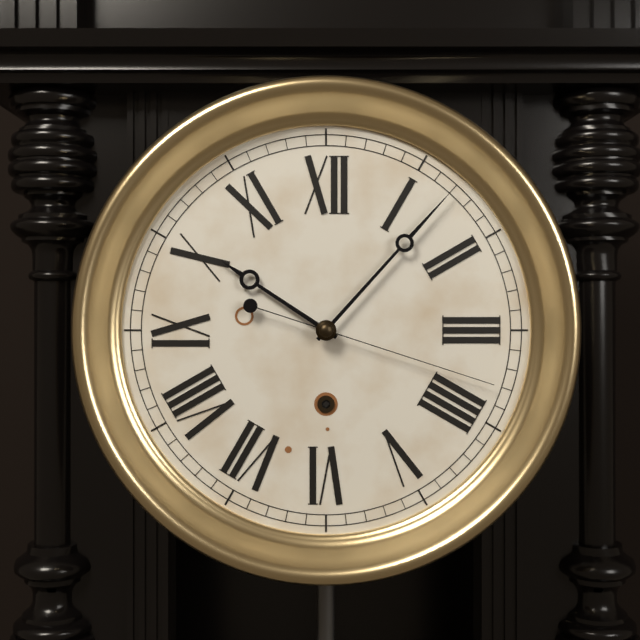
10h07m18s
